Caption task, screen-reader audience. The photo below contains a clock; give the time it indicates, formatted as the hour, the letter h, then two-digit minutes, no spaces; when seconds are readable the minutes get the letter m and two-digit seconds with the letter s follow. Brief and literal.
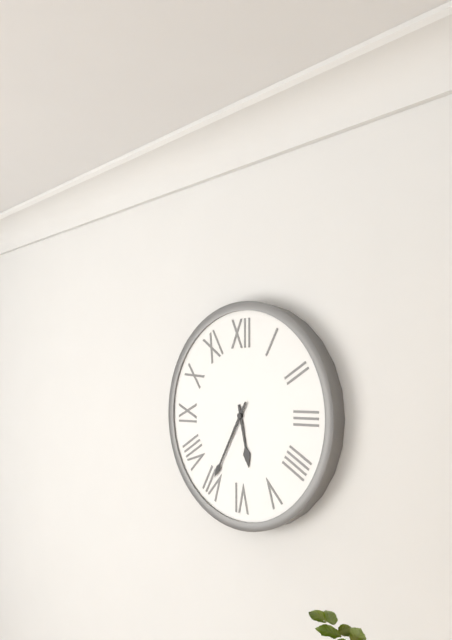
5h35
